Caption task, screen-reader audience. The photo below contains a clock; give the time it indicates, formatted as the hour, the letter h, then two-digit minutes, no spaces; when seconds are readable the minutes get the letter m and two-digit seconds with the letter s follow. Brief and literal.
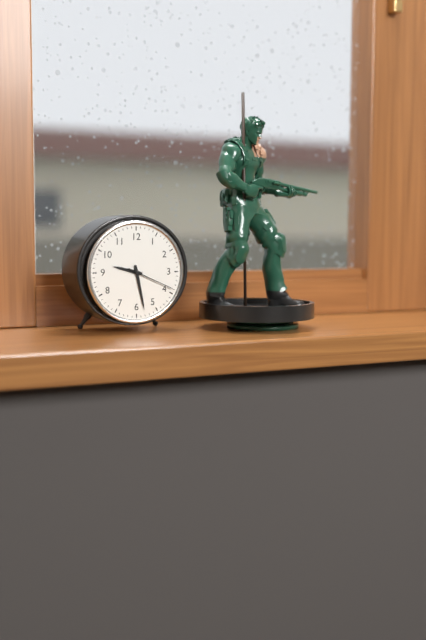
9h28m19s
